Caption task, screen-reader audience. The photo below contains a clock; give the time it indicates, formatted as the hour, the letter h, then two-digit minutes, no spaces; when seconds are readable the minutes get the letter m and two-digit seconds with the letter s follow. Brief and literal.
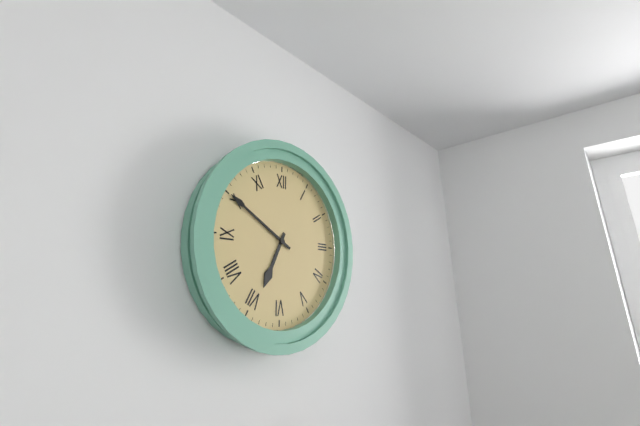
6h50
